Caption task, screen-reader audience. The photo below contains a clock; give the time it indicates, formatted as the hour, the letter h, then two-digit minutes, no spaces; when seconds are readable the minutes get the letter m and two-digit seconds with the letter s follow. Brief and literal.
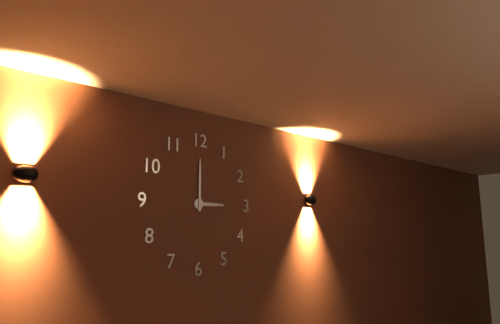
3h00
